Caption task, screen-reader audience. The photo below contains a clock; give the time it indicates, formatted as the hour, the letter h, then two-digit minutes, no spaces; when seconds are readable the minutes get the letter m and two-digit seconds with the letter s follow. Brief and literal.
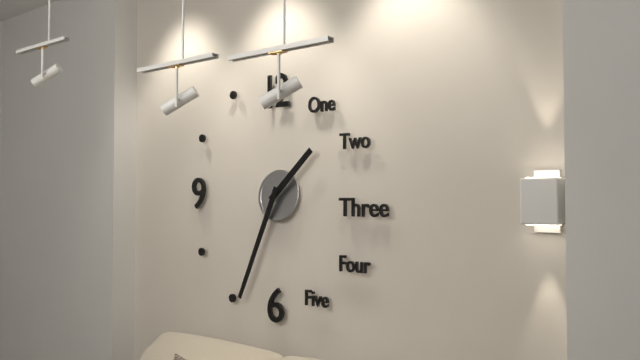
1h34
